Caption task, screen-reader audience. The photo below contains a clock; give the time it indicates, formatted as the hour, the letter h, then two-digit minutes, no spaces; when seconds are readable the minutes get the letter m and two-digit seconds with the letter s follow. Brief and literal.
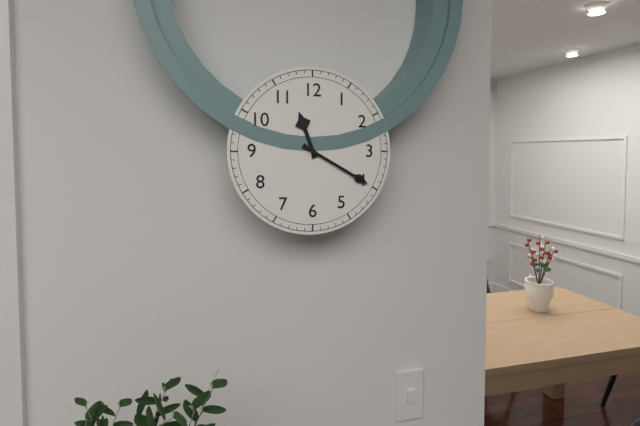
11h20
